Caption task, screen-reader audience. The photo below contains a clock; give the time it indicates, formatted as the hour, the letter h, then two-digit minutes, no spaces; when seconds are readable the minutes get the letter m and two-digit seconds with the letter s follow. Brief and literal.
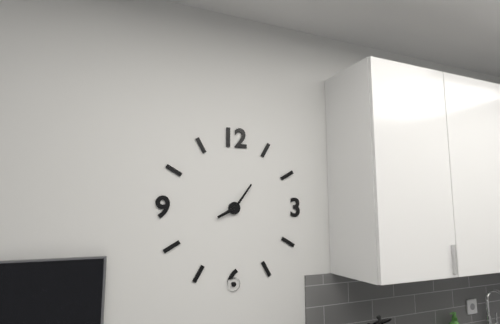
8h06
